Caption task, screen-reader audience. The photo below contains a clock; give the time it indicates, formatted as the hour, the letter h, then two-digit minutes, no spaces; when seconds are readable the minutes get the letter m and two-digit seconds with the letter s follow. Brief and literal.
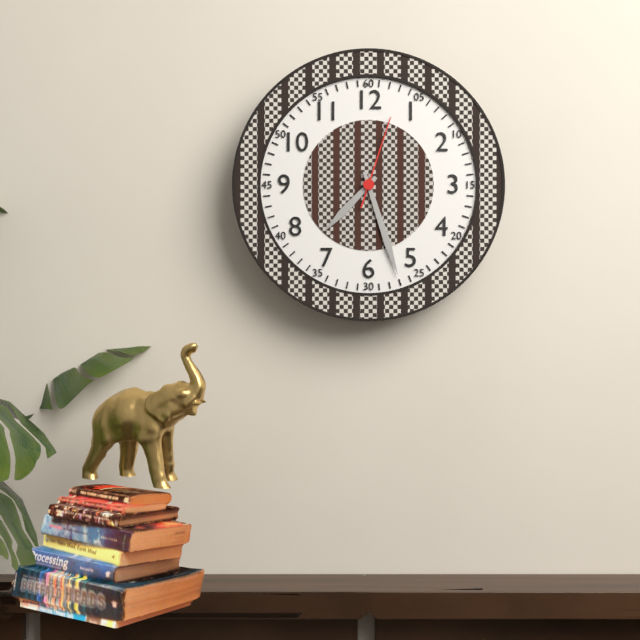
7h27m03s
